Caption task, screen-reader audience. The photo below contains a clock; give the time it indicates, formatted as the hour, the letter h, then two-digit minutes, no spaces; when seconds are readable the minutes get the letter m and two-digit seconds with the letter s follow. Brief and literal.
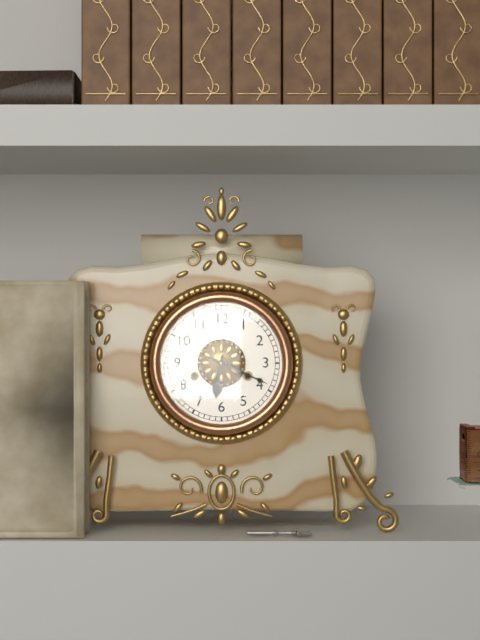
6h19
